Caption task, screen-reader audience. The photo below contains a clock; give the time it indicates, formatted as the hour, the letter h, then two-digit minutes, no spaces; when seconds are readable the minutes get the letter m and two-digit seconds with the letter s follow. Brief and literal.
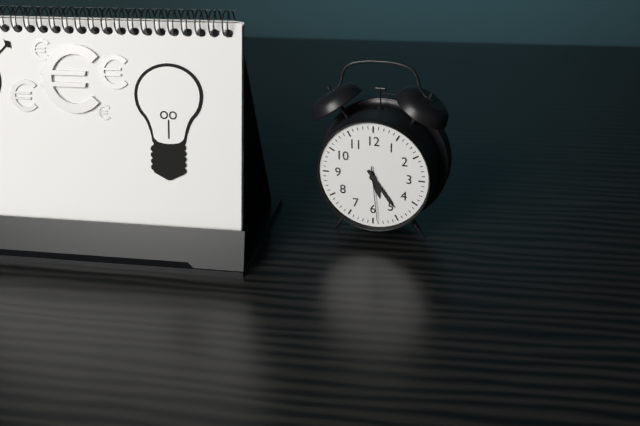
5h24m29s
